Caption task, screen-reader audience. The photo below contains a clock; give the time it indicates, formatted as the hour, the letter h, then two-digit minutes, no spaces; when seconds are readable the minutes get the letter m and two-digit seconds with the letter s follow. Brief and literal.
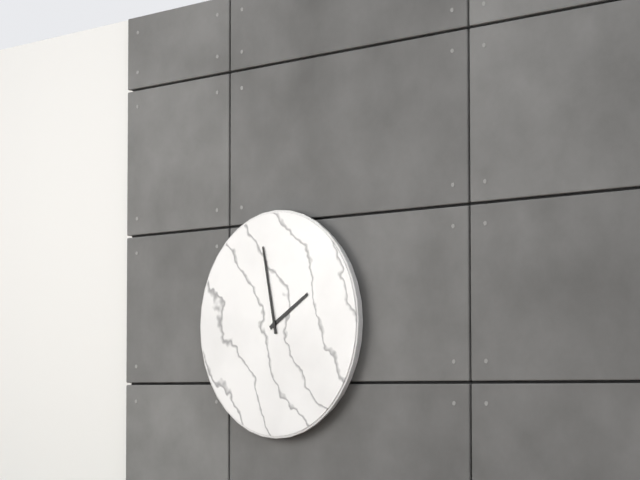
1h58
